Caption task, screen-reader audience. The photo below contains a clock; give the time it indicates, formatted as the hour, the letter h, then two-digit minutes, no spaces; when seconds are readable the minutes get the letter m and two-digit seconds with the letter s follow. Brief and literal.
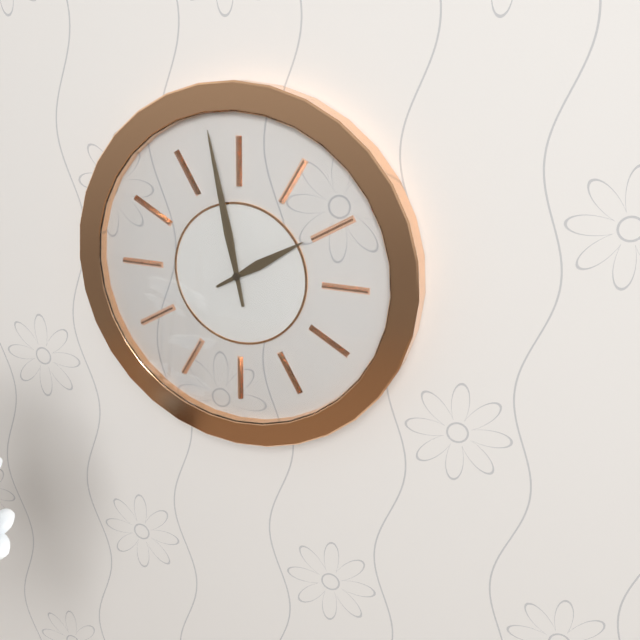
1h58
